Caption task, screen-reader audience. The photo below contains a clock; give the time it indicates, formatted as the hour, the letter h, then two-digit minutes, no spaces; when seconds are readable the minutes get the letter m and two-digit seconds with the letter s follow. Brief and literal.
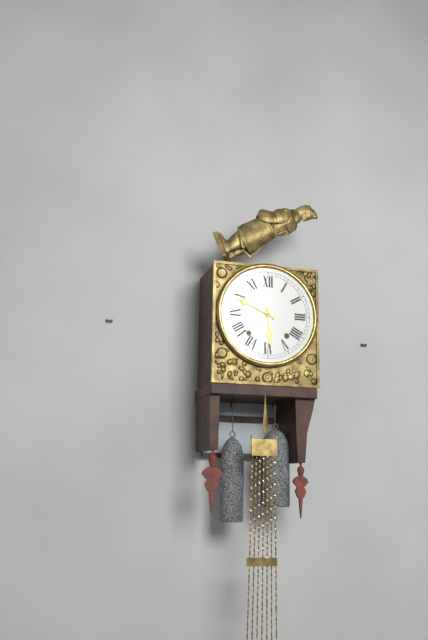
5h49
